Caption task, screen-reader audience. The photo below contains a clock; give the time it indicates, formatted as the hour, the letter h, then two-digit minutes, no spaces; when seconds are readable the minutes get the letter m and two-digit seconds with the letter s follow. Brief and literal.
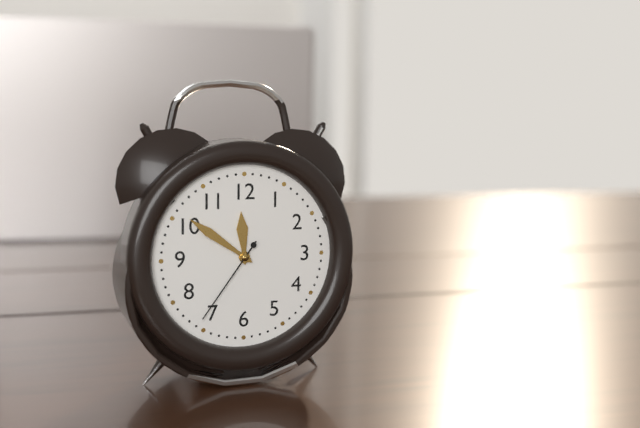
11h51m36s
